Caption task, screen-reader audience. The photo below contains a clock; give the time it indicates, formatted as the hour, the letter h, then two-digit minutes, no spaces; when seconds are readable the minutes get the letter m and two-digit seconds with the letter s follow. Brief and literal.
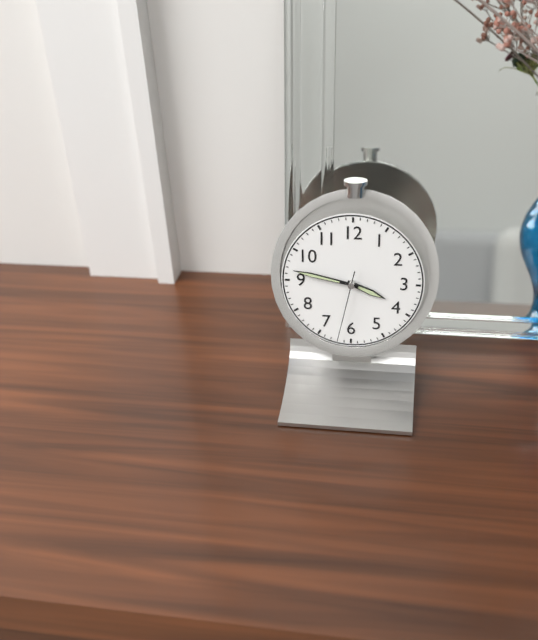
3h47m32s
